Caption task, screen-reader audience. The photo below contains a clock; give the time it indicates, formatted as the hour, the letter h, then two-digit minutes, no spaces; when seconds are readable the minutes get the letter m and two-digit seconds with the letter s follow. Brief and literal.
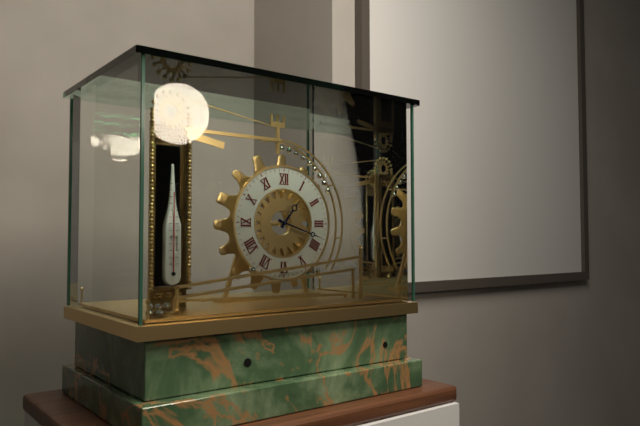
1h18
